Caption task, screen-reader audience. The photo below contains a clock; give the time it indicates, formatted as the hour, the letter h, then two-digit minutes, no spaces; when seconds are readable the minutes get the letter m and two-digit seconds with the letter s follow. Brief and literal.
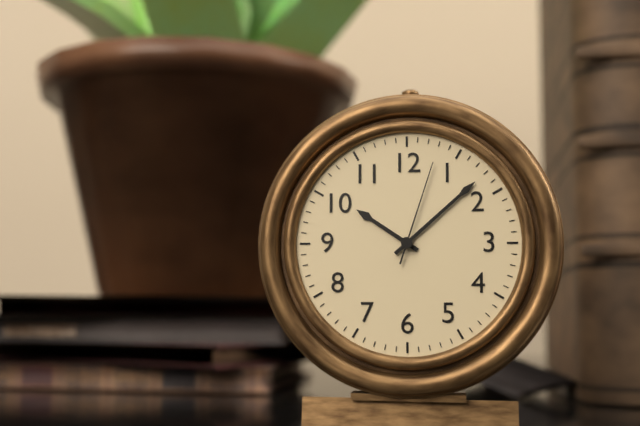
10h08m03s
